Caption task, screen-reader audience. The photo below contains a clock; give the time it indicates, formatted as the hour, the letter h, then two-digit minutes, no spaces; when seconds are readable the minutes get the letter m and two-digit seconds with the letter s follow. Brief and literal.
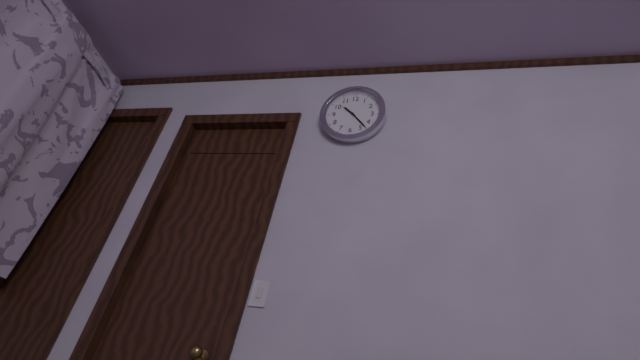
10h23
